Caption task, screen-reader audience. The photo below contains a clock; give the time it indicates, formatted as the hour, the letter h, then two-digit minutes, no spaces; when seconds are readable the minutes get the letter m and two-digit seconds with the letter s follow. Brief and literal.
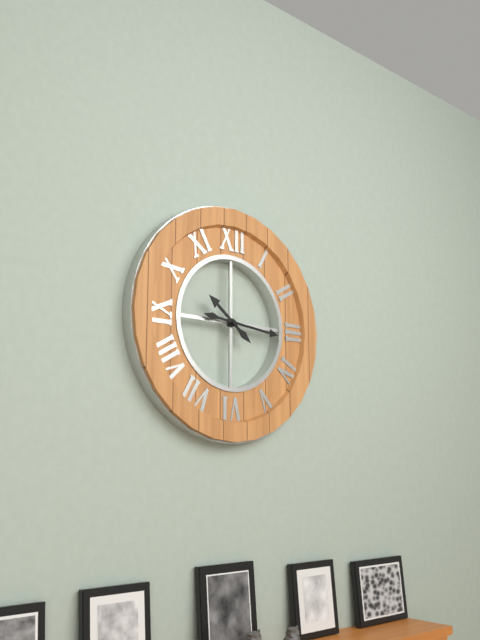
10h16
